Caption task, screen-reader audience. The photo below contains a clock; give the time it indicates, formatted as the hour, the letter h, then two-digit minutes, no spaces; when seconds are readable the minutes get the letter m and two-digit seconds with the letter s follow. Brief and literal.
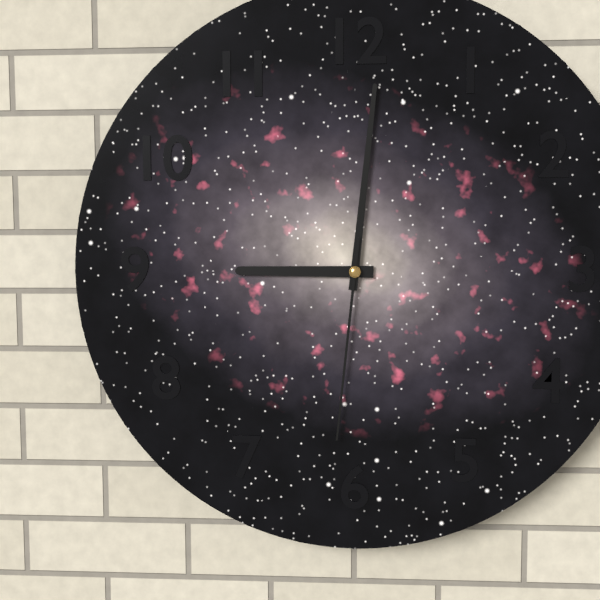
9h01m31s
